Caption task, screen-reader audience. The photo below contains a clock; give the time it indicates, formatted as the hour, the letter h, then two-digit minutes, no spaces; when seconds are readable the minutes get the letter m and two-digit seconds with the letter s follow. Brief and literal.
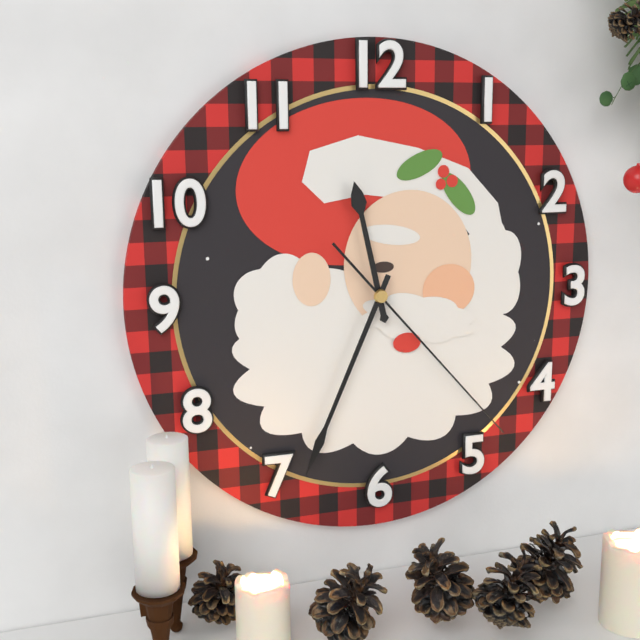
11h34m23s
